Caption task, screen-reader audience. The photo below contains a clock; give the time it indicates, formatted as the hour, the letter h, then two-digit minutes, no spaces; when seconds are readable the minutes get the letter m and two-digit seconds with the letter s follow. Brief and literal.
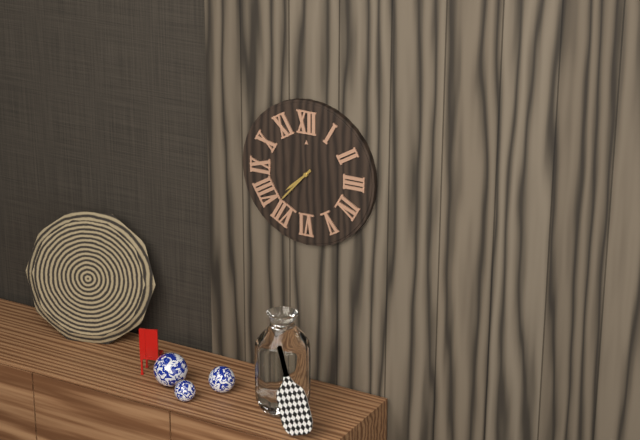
7h37
